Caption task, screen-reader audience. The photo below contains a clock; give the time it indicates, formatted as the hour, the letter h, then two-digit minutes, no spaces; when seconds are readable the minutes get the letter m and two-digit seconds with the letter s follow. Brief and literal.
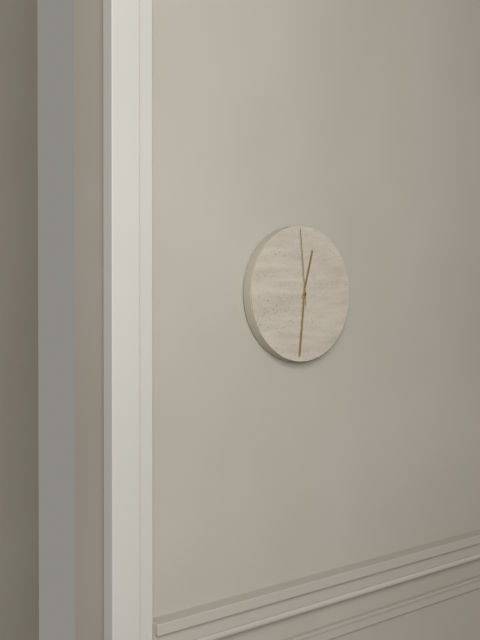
12h31m59s
